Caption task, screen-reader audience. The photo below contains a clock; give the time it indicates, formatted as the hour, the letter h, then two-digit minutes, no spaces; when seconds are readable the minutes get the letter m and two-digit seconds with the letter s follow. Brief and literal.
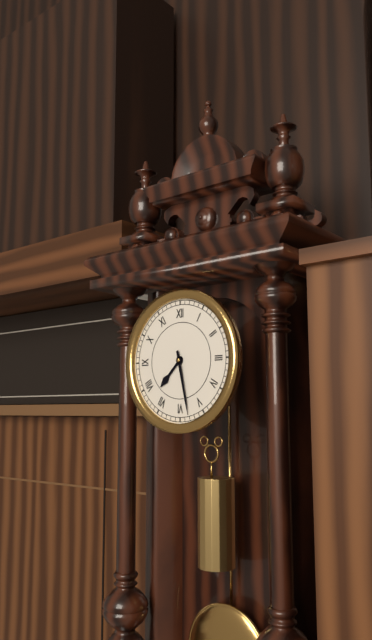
7h28
